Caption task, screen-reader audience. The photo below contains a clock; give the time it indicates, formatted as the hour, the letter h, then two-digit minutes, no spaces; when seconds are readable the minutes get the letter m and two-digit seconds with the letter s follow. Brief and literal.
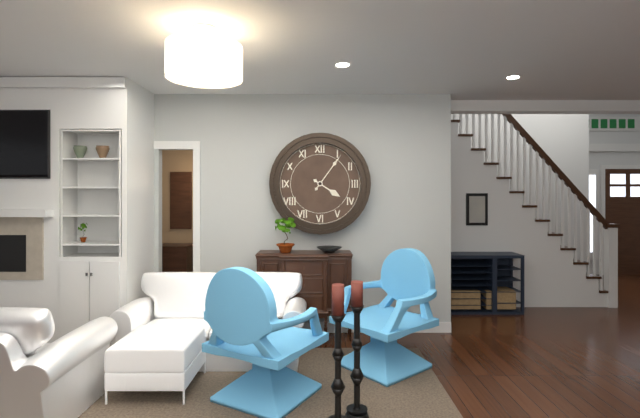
4h06
